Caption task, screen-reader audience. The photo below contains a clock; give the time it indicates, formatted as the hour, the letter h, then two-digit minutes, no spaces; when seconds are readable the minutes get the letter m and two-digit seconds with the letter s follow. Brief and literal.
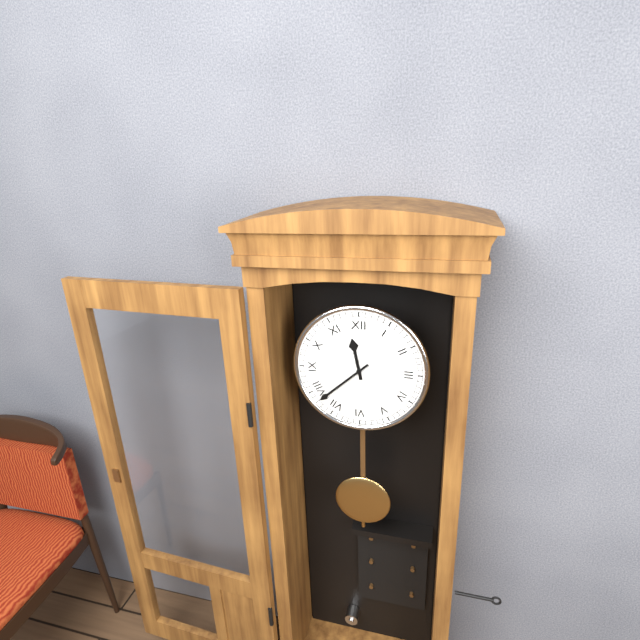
11h38
